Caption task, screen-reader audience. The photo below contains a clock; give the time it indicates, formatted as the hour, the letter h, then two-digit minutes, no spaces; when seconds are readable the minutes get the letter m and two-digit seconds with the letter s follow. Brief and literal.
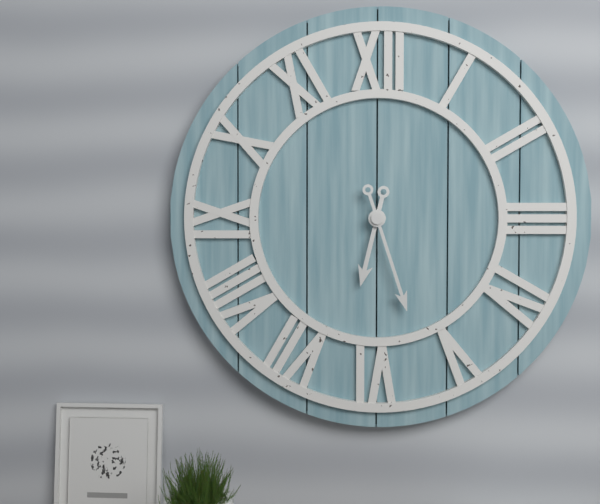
6h27
